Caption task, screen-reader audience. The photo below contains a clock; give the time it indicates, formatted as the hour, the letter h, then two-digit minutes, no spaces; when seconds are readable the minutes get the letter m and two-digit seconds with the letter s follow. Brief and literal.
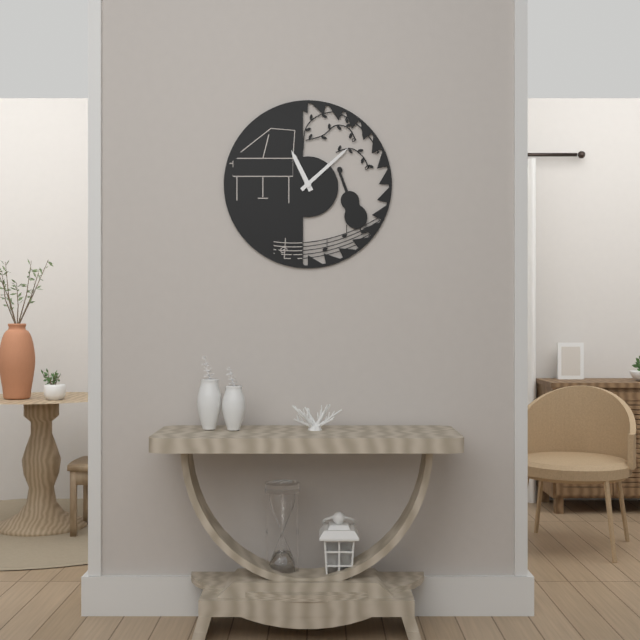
11h08
